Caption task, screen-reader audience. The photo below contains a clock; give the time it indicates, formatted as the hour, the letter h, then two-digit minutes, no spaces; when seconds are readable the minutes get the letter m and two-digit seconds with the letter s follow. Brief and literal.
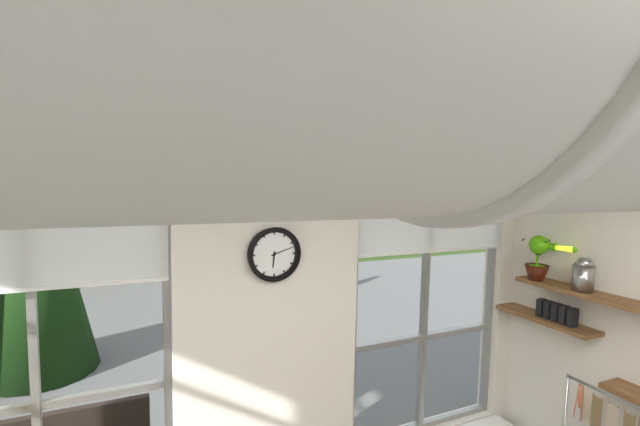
6h12
